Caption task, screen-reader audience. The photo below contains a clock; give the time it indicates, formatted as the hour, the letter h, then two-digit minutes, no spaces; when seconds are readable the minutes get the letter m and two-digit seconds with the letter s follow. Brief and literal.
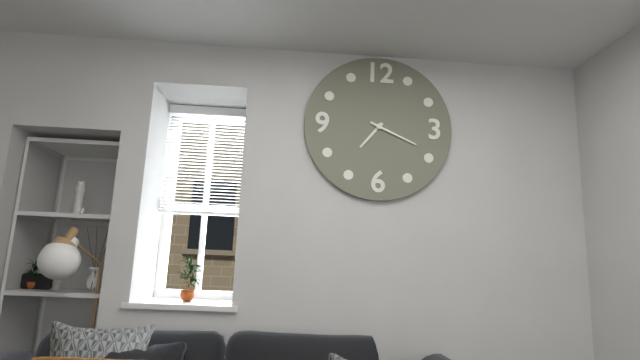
7h19
